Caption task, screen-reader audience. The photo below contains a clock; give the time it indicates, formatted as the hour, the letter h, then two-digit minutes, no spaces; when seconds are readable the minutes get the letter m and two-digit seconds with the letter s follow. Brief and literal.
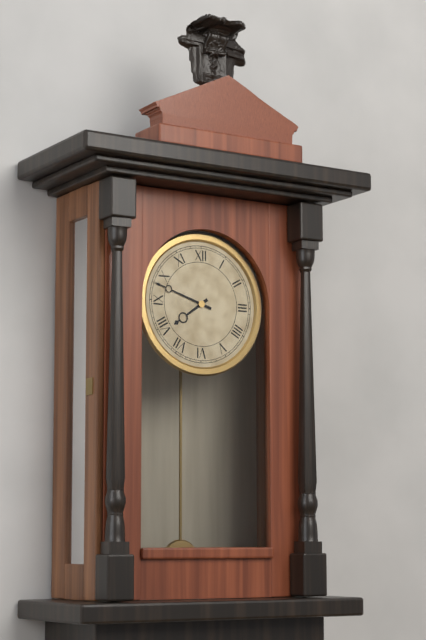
7h48
